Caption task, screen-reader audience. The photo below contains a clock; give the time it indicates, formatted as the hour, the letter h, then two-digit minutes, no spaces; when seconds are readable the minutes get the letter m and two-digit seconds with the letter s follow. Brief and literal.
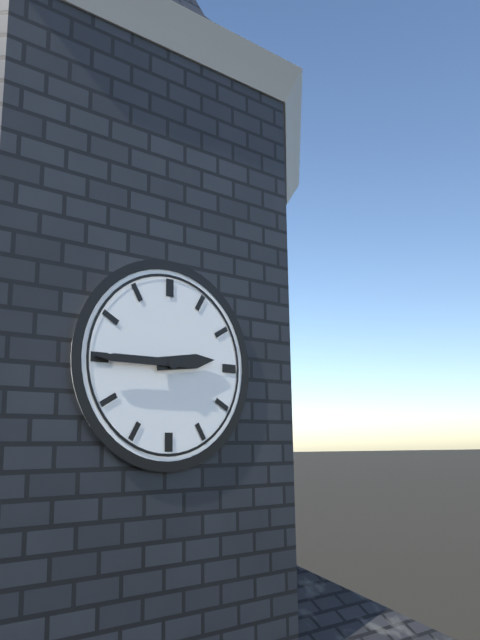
2h45
